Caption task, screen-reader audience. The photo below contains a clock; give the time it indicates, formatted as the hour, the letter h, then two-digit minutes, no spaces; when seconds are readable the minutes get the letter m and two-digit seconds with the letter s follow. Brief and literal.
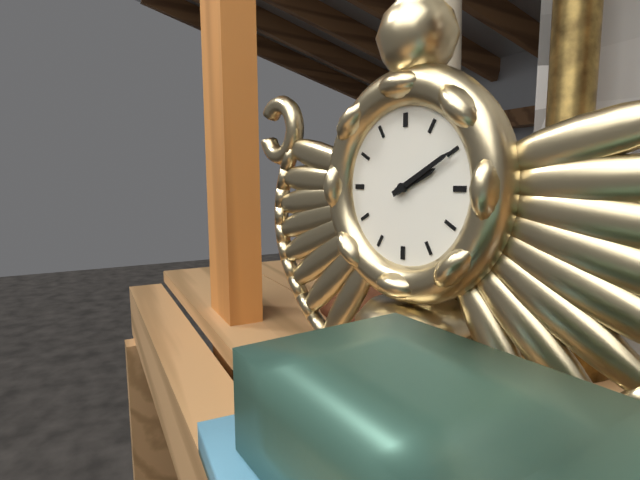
2h10
